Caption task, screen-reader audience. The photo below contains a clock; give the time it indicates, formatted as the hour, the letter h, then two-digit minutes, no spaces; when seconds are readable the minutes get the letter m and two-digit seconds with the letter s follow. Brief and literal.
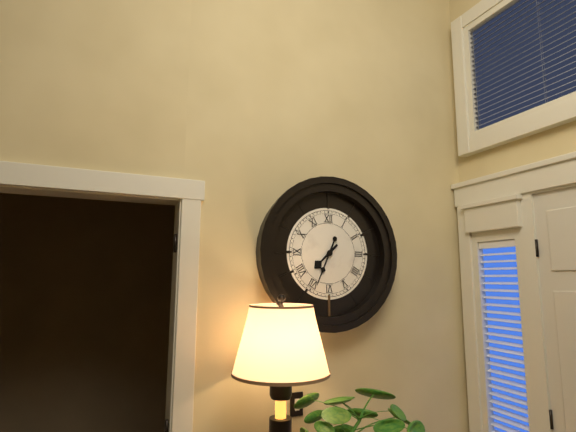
7h34
